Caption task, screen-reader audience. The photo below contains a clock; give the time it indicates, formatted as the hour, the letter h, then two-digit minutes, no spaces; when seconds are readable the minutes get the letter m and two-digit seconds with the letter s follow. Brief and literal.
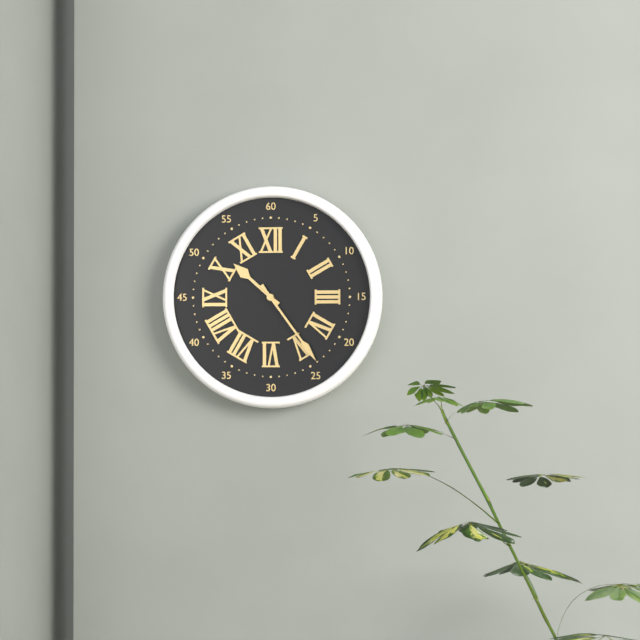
10h24
